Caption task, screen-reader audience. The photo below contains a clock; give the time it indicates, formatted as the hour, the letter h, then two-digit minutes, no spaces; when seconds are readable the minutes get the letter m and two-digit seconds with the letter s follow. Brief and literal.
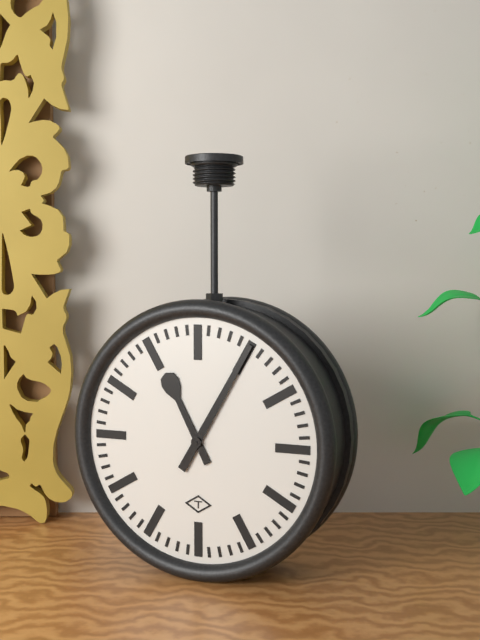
11h05
